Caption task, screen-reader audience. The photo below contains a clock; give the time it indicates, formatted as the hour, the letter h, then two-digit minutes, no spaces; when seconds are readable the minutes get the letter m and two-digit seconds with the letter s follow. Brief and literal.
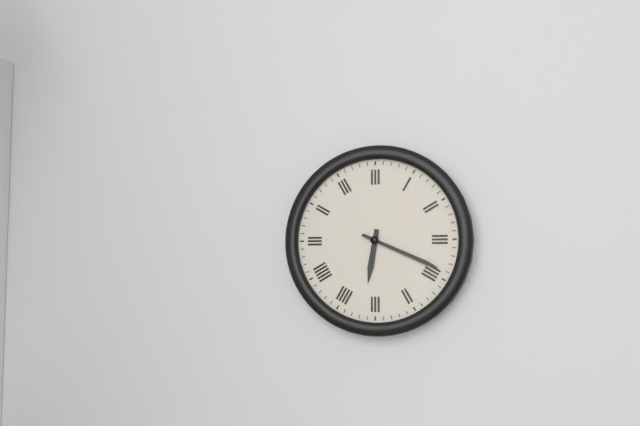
6h19
